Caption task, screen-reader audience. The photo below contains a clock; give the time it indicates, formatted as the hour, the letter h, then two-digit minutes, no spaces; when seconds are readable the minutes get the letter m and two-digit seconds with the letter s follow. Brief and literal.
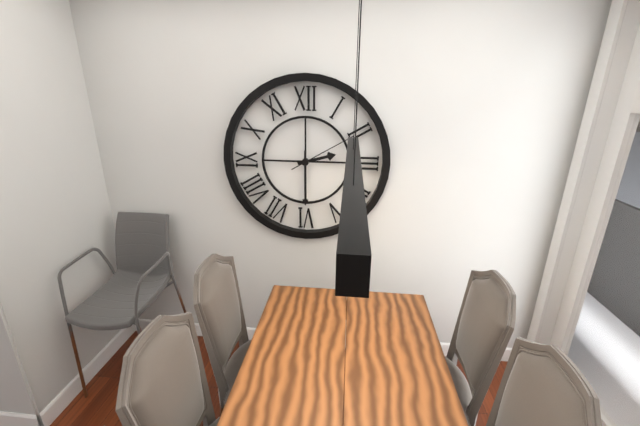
2h30m10s
